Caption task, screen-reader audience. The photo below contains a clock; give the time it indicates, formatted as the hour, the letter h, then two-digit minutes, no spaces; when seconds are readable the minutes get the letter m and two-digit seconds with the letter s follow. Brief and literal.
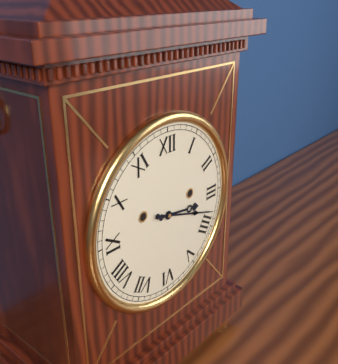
3h18
